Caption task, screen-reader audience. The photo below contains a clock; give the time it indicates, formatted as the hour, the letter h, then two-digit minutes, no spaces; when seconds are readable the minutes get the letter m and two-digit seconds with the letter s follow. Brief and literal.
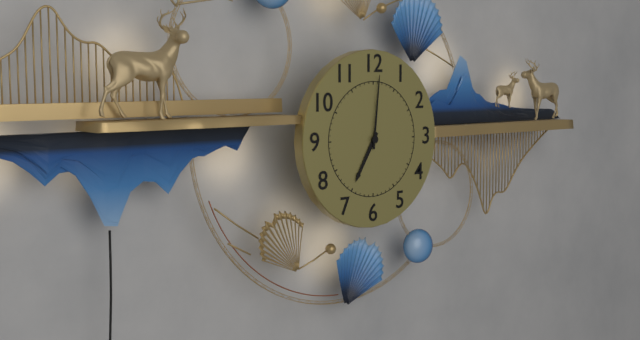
7h01
